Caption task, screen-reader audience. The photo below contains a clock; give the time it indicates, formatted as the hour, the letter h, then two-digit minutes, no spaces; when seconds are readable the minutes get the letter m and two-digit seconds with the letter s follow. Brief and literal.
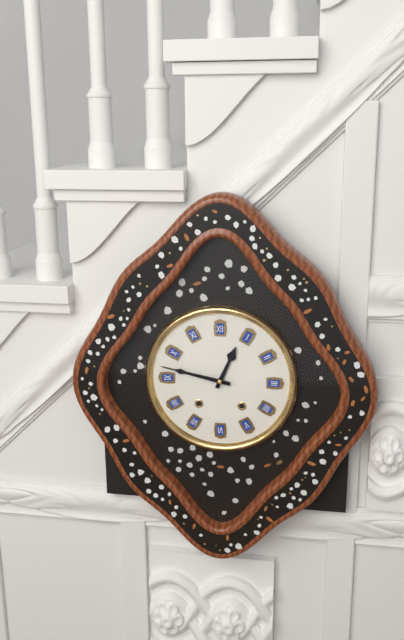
12h47
